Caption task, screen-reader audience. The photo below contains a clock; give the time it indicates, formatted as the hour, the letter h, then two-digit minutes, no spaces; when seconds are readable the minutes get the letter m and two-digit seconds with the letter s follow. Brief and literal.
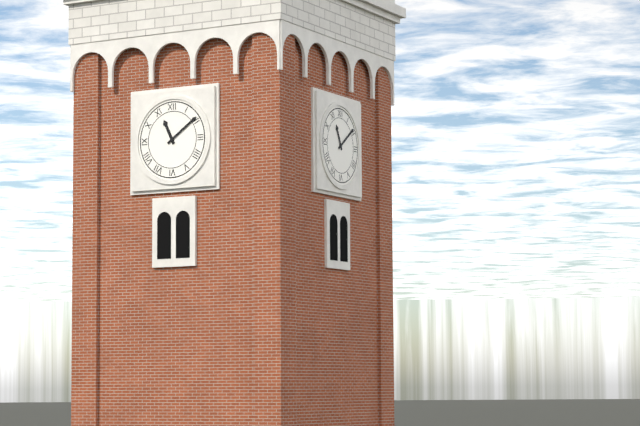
11h09
